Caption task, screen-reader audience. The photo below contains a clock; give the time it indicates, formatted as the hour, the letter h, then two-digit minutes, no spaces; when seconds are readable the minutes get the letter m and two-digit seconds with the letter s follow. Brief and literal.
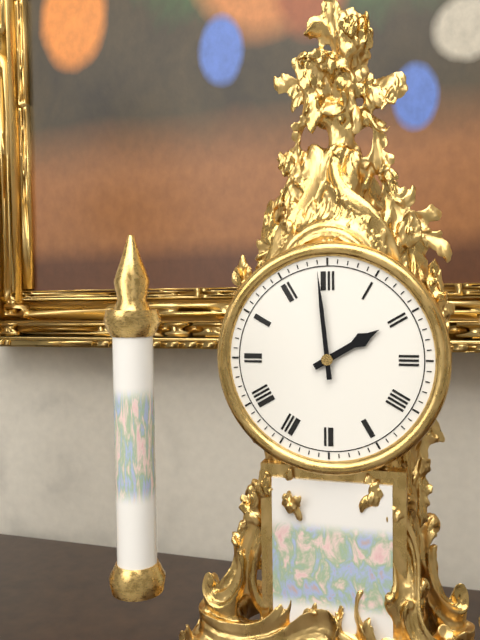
1h59
